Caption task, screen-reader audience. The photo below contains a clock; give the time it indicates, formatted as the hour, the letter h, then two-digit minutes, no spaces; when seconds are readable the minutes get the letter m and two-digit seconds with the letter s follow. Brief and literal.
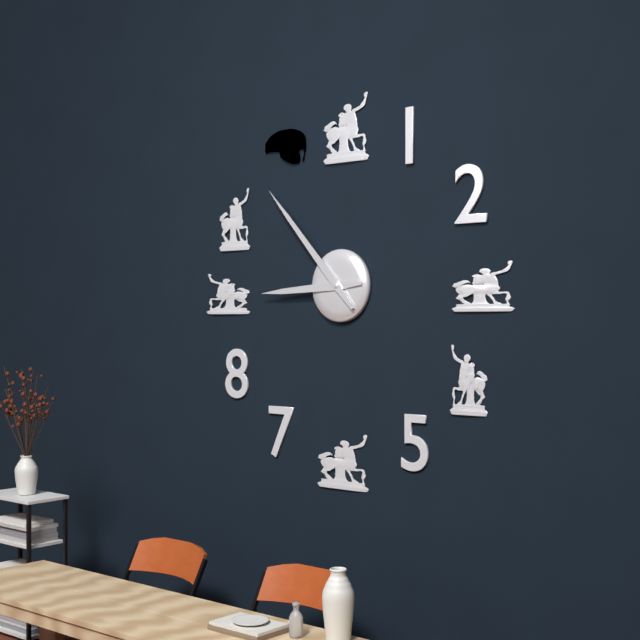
8h53
